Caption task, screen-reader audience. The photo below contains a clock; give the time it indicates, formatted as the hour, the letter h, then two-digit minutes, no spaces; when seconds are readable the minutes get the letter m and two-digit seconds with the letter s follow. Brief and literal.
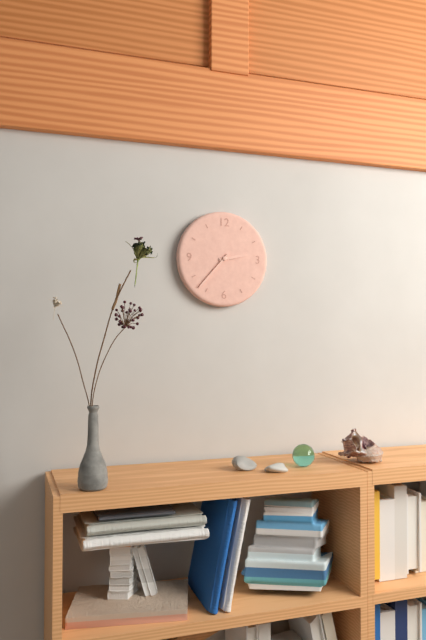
2h37
